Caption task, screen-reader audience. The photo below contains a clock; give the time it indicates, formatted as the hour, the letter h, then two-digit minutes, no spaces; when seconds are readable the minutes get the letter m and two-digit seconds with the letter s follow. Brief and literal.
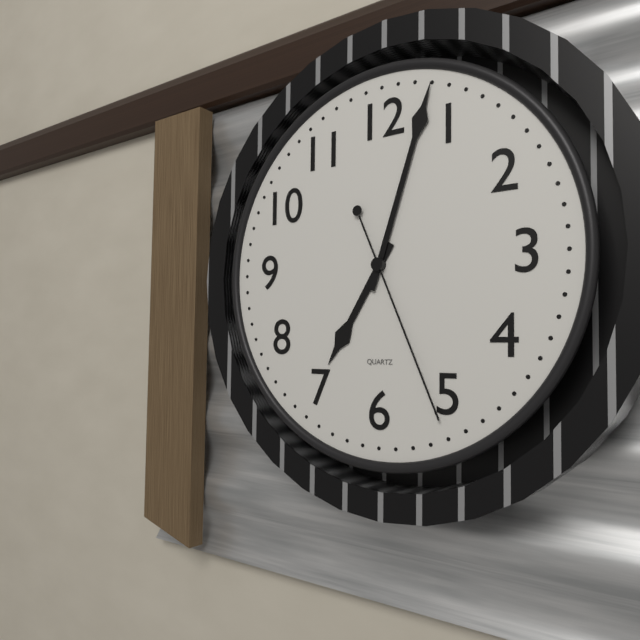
7h03m26s
